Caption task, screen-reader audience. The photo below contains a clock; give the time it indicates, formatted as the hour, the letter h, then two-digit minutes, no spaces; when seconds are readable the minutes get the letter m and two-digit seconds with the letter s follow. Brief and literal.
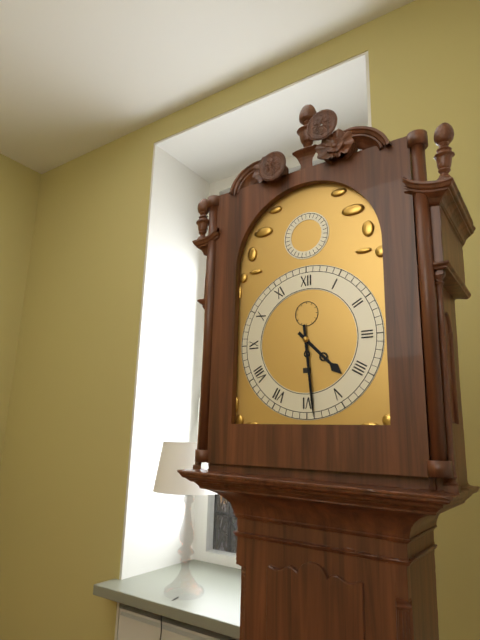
4h29
